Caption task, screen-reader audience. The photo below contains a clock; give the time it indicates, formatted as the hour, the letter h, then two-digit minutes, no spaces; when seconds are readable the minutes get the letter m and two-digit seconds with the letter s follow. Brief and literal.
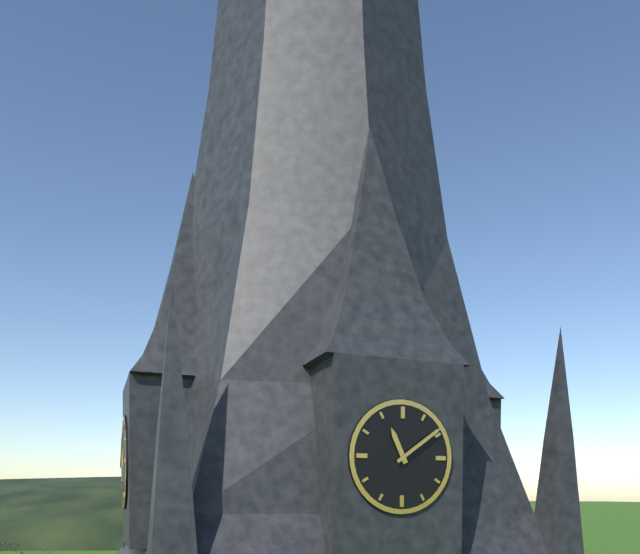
11h09
